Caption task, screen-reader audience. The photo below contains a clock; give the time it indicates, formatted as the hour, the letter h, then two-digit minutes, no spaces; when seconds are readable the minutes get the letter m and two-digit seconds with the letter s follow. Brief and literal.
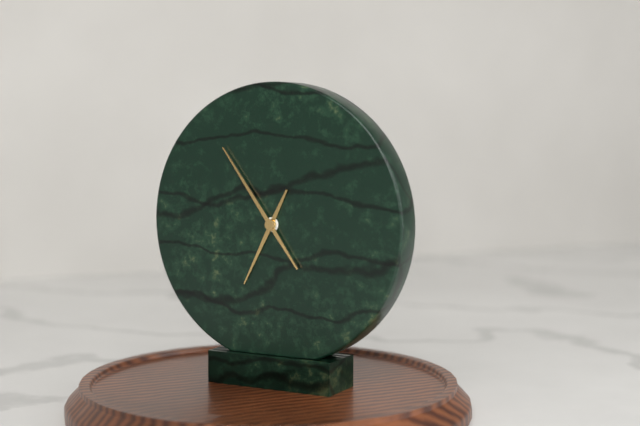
6h54
